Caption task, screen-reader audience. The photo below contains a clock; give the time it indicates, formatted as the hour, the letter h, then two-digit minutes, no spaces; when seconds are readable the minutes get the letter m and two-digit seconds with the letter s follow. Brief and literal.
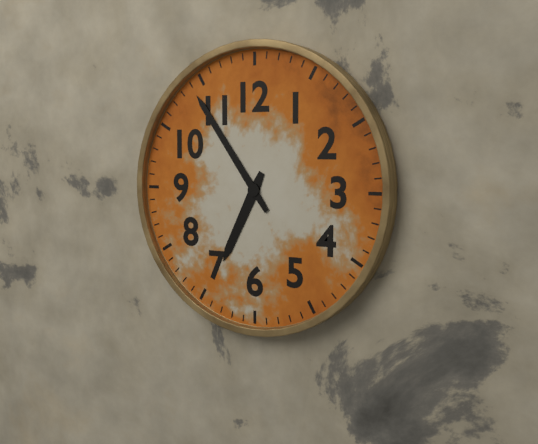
6h54
